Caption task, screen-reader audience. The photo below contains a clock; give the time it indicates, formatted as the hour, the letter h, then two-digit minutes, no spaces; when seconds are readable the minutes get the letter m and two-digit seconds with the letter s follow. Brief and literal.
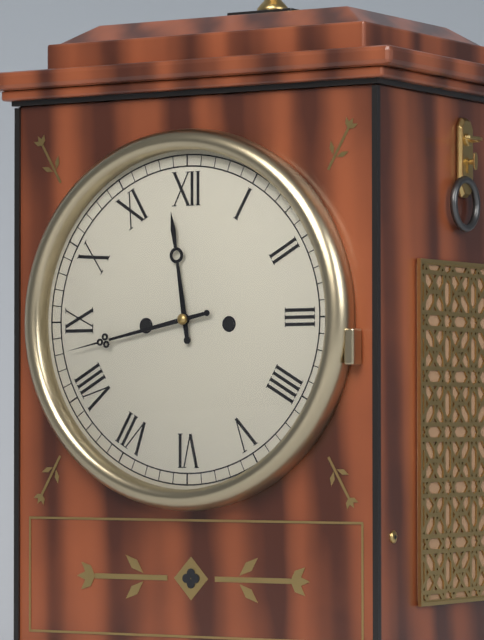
11h43
